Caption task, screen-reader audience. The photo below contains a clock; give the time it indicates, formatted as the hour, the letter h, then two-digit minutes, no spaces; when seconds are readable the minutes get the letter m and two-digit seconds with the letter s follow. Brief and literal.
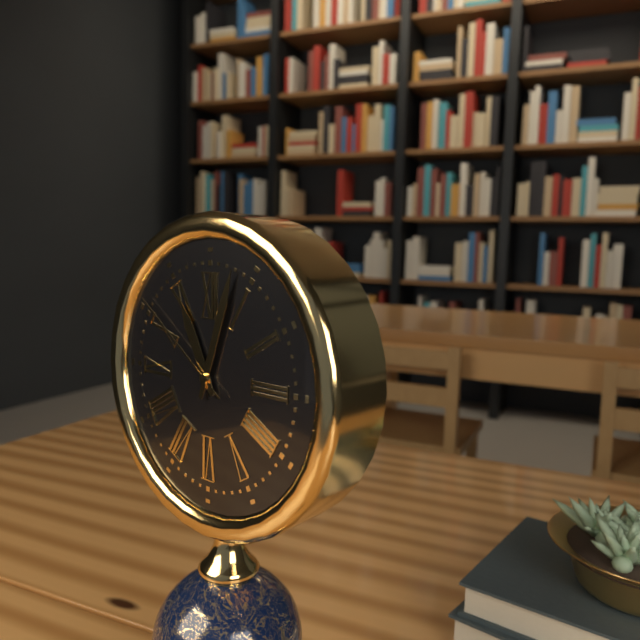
11h03m51s
